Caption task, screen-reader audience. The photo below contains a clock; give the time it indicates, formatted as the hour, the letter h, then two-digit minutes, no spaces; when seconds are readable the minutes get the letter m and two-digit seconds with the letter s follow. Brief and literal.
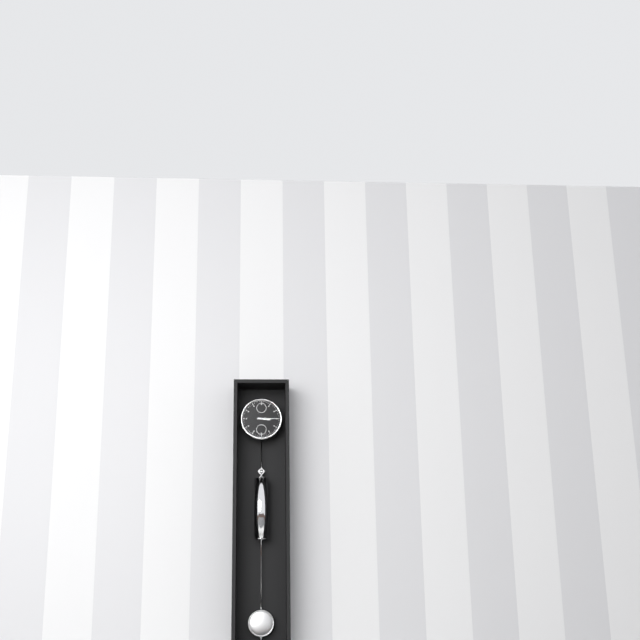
3h15
